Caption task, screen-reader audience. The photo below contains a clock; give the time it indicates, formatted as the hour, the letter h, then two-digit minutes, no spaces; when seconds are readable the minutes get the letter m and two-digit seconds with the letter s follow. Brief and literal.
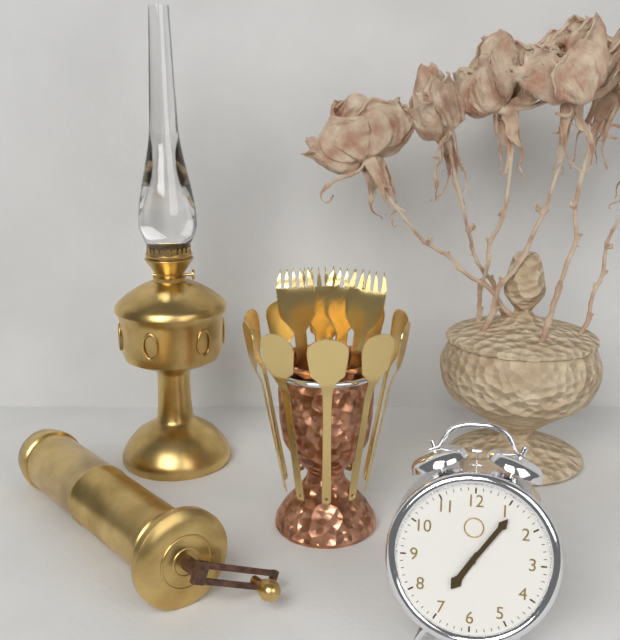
7h06
